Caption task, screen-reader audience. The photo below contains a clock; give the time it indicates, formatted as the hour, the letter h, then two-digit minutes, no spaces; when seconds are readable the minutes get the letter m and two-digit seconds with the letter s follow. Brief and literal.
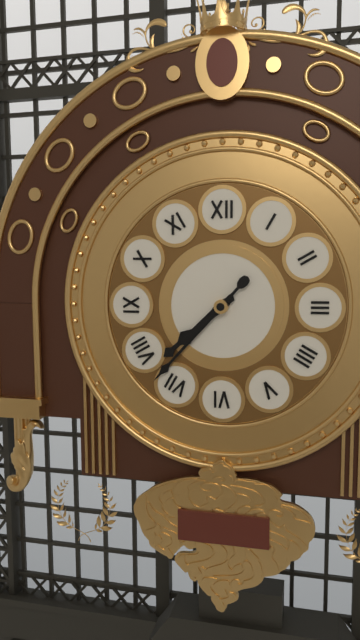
7h37
